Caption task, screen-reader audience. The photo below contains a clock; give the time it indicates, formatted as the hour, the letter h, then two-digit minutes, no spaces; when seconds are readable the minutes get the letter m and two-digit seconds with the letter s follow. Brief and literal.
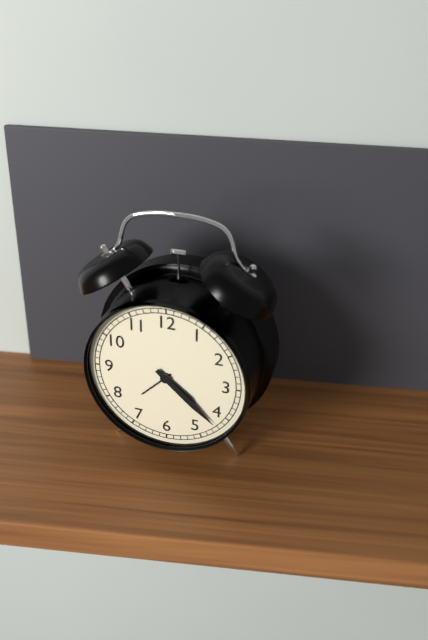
4h22
